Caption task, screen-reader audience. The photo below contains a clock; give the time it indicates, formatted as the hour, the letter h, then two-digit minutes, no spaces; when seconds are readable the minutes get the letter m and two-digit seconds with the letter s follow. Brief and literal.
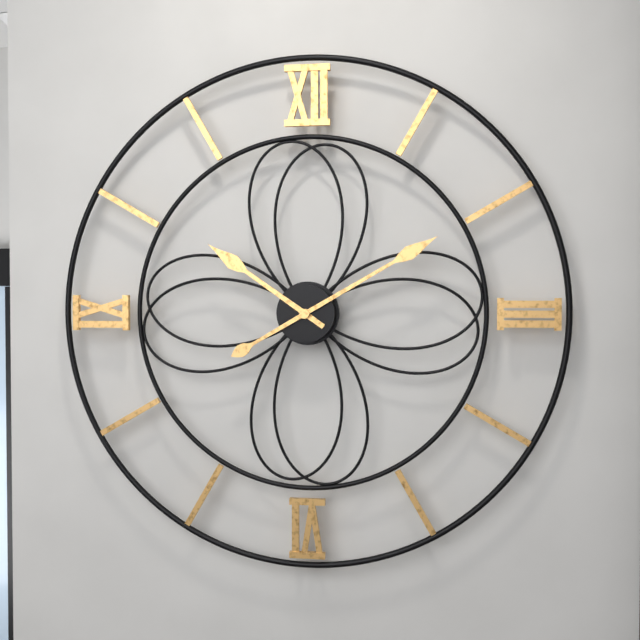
10h10
